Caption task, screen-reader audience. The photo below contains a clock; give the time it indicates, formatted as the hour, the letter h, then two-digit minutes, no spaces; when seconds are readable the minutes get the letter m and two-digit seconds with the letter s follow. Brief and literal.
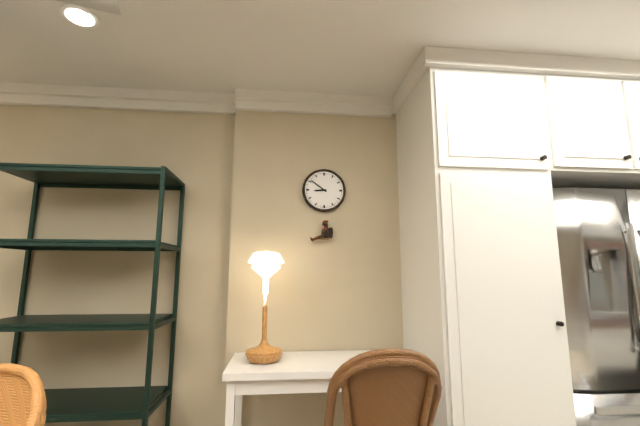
8h51
